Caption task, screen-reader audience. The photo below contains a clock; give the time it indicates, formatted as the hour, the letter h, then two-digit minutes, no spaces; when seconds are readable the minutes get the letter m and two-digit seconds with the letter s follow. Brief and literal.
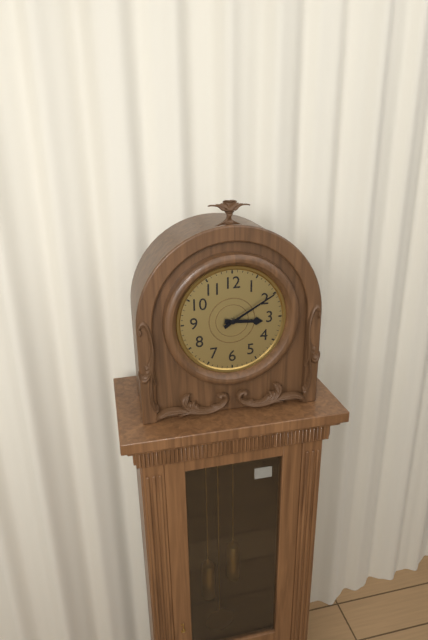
3h10
